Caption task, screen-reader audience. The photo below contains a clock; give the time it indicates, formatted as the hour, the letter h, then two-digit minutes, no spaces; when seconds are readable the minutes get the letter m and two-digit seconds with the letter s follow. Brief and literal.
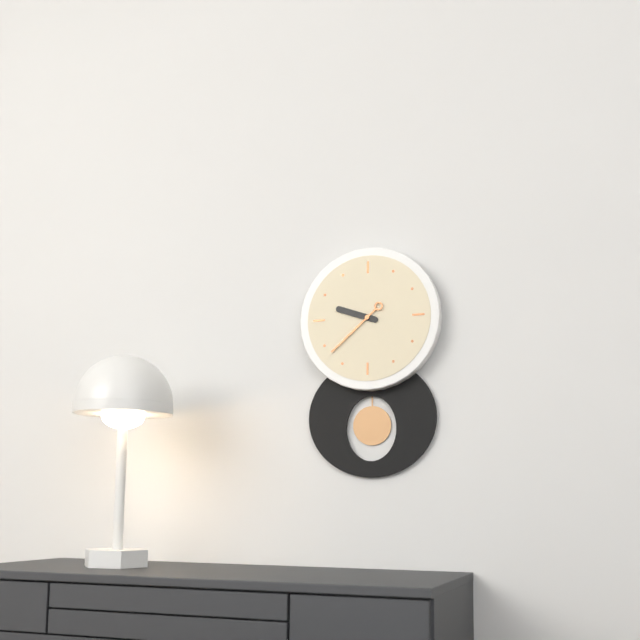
9h38
